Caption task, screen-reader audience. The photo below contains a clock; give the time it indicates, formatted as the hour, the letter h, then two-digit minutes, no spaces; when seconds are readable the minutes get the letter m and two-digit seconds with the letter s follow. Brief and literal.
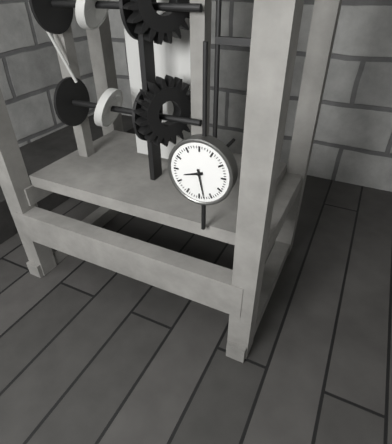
8h28
